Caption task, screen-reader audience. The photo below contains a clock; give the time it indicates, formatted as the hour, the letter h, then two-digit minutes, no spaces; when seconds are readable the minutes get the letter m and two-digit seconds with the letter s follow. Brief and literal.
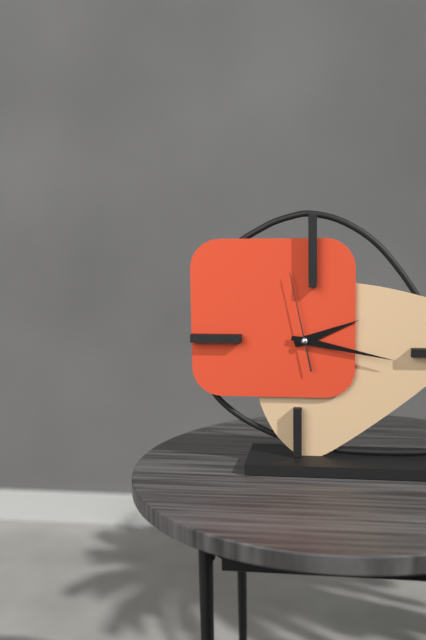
2h17m58s
